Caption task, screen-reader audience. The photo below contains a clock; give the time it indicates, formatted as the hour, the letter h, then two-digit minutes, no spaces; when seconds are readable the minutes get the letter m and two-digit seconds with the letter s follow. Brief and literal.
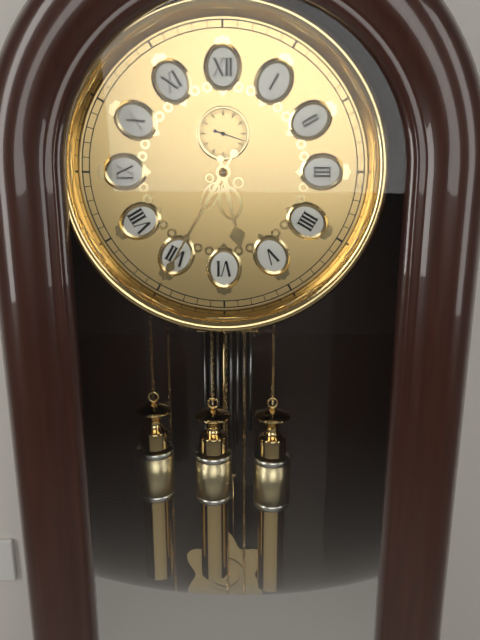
5h35
